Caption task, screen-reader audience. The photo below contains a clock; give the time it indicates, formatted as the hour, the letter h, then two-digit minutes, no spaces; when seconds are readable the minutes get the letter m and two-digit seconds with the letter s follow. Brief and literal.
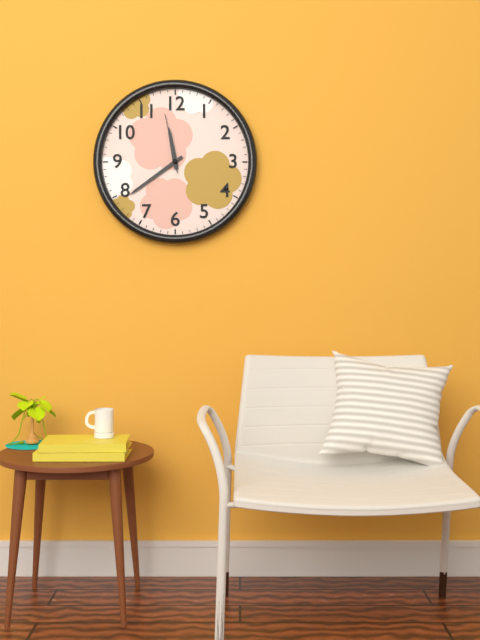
11h39m58s
